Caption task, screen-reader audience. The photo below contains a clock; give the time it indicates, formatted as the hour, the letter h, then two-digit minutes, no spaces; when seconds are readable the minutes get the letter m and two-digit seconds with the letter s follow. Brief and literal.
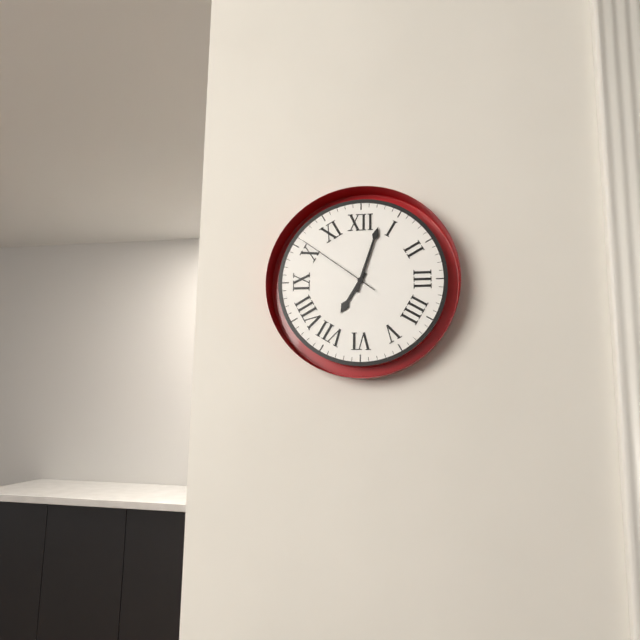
7h03m51s
